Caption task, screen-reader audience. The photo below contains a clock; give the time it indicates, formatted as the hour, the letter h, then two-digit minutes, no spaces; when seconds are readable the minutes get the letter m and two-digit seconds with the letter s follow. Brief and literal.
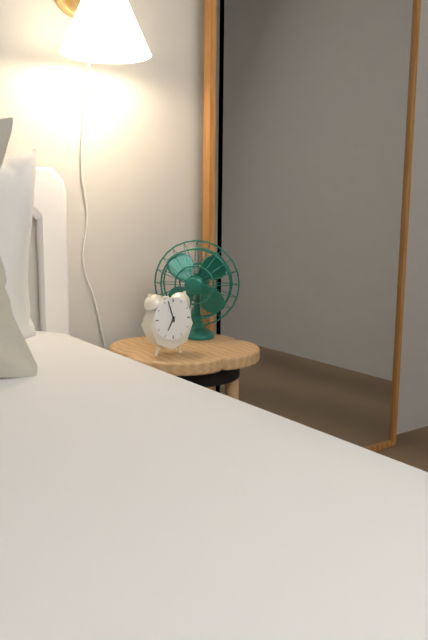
6h57
